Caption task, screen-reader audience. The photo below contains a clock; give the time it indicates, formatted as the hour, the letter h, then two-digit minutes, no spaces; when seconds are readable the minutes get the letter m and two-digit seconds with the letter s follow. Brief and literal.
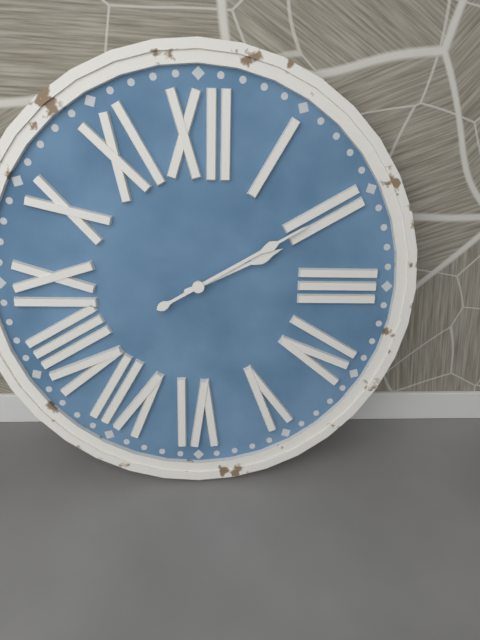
2h10
